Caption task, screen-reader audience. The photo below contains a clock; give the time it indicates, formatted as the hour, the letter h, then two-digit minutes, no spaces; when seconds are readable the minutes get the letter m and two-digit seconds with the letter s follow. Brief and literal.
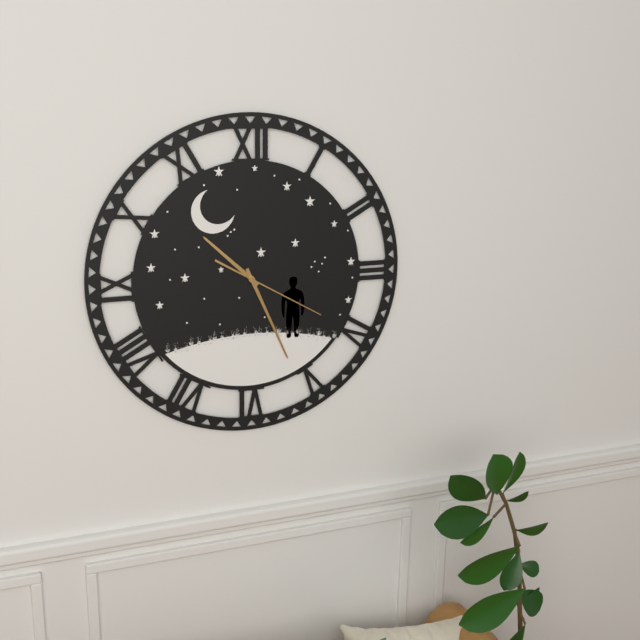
10h26m20s
